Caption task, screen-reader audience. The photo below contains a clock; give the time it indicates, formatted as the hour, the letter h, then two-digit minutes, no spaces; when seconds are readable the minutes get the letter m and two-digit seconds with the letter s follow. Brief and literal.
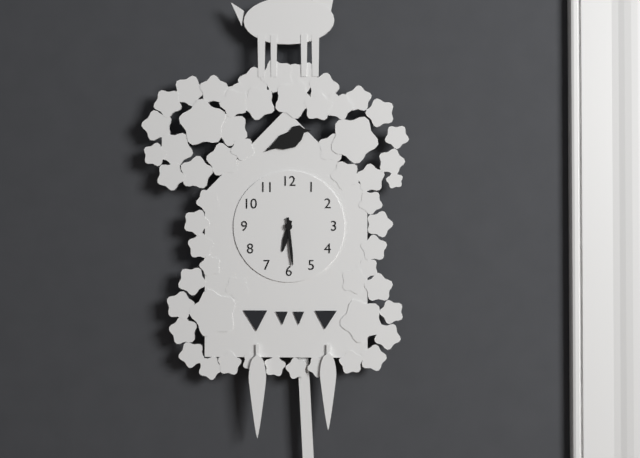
6h29
